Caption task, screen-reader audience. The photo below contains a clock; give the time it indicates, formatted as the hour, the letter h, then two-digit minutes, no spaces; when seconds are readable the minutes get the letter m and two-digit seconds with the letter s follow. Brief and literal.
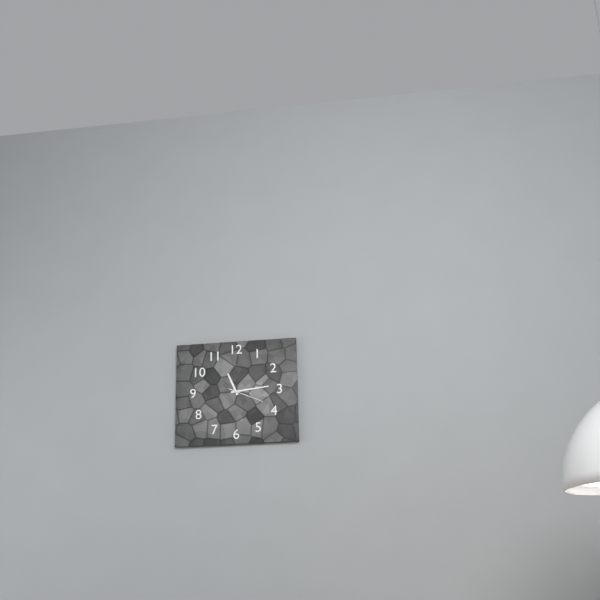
11h14
